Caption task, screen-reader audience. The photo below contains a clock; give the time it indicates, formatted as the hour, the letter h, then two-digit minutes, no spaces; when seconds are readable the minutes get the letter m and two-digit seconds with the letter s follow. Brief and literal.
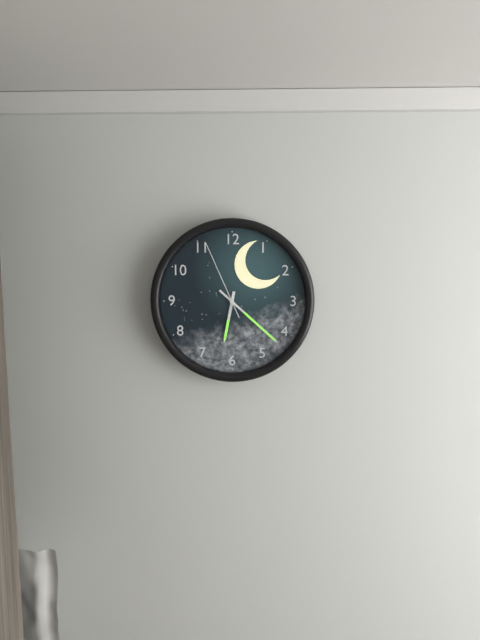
6h22m56s
